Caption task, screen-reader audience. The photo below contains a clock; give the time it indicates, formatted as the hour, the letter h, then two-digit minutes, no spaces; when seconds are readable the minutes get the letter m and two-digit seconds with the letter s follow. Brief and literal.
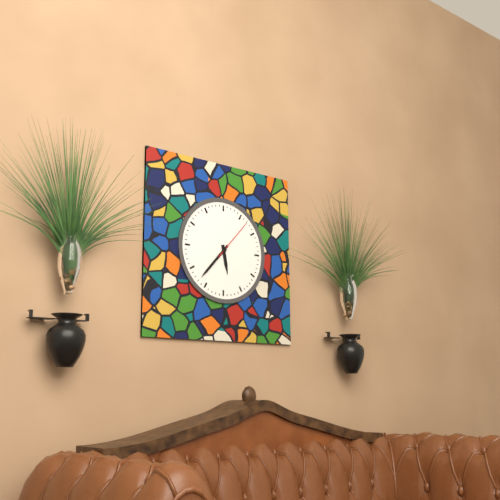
5h37
